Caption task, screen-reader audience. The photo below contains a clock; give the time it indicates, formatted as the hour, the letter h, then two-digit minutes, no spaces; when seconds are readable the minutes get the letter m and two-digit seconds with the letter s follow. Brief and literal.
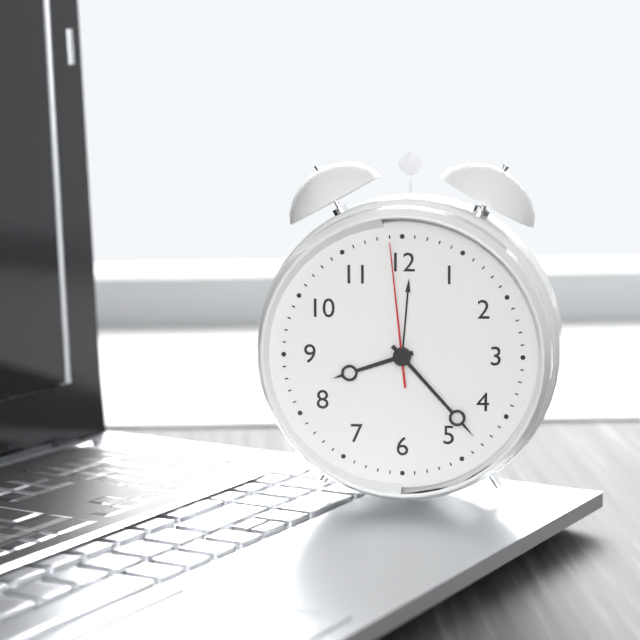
8h23m59s
